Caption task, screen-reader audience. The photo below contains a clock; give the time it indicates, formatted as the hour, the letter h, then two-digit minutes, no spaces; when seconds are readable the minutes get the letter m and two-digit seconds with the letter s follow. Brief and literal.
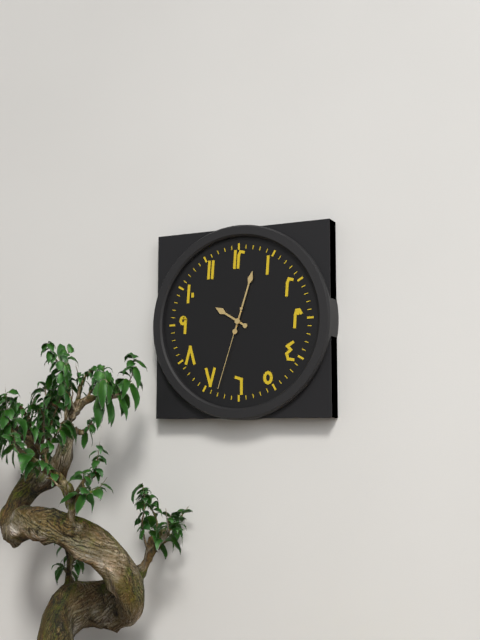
10h03m33s
